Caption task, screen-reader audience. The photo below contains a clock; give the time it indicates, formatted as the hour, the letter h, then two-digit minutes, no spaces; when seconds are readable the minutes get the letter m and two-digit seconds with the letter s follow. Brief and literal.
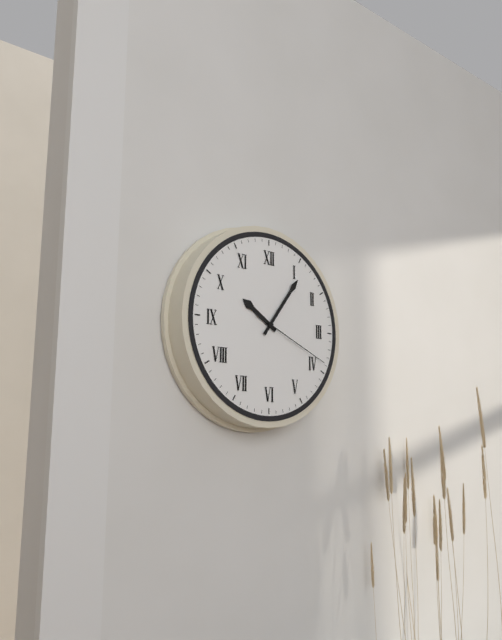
10h06m19s
